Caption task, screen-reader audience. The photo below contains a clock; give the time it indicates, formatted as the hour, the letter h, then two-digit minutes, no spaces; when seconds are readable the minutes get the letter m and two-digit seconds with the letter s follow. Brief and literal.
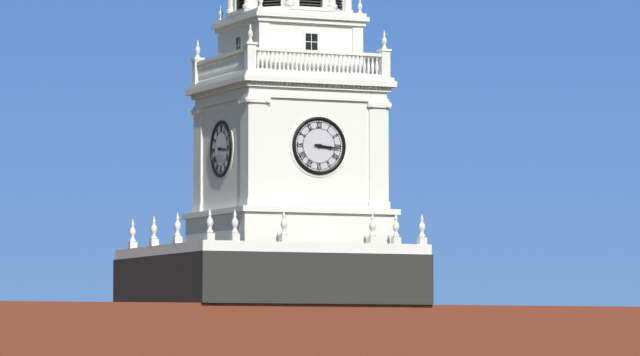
3h16
